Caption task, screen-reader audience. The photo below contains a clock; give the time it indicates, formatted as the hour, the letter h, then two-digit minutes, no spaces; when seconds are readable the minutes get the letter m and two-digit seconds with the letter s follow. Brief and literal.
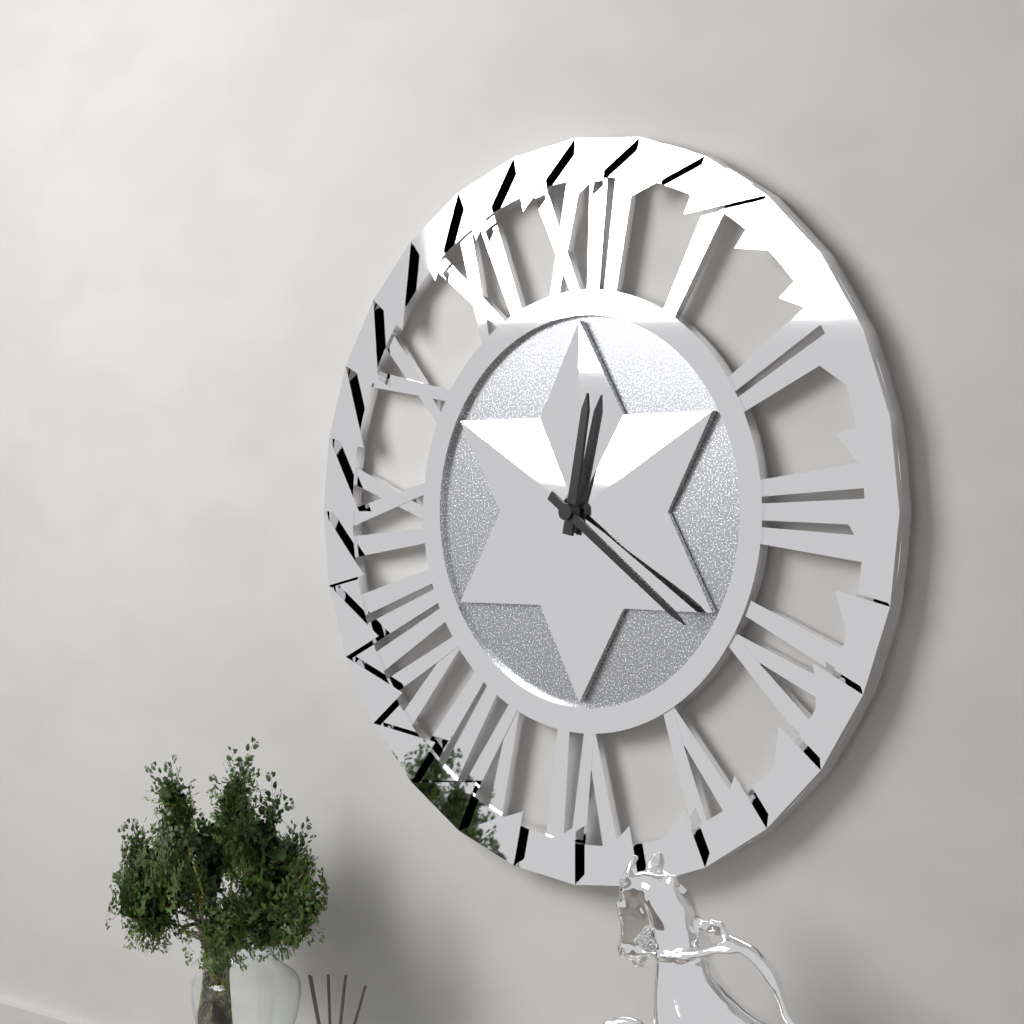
12h21
